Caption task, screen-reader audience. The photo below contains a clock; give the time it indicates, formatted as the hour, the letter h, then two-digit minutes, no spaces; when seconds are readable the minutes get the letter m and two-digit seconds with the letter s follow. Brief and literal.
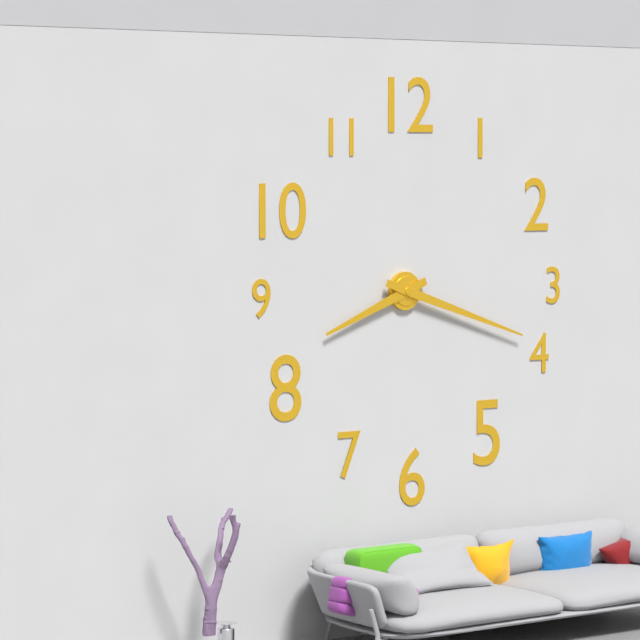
8h18
